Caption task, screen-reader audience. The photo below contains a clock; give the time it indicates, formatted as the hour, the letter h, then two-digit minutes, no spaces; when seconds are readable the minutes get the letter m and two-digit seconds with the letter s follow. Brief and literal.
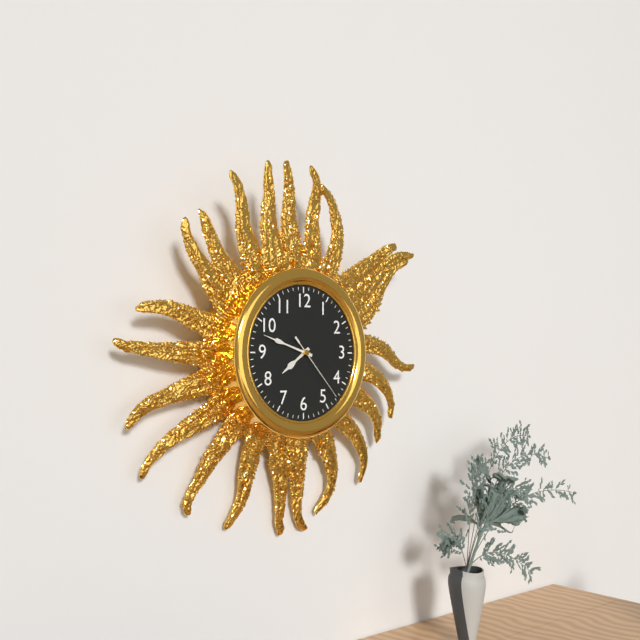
7h48m23s
